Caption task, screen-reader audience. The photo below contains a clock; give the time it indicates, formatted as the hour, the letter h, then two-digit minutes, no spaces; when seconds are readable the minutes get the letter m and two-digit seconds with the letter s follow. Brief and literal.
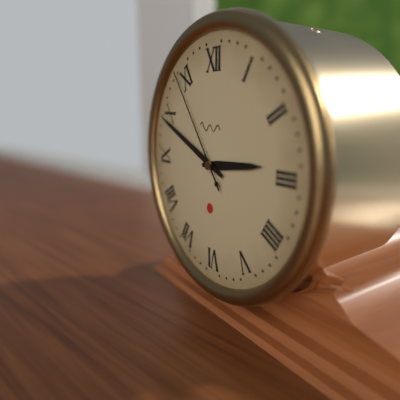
2h49m54s
